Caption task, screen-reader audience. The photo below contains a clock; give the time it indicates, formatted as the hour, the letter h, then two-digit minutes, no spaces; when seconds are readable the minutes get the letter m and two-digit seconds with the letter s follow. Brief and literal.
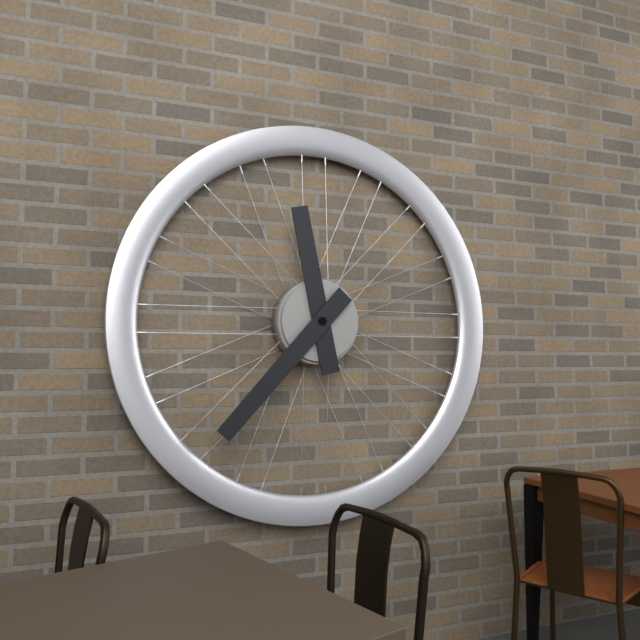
11h37
